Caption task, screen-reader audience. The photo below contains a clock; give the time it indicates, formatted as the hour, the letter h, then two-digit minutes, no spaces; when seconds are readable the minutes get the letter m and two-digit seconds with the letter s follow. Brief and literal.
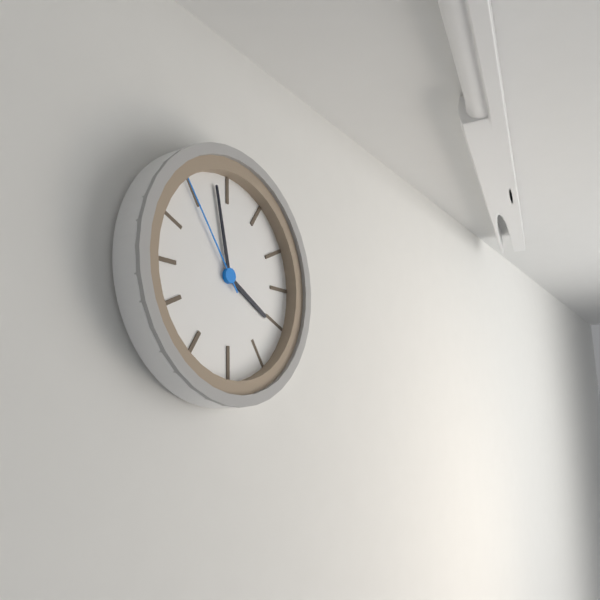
3h58m54s
